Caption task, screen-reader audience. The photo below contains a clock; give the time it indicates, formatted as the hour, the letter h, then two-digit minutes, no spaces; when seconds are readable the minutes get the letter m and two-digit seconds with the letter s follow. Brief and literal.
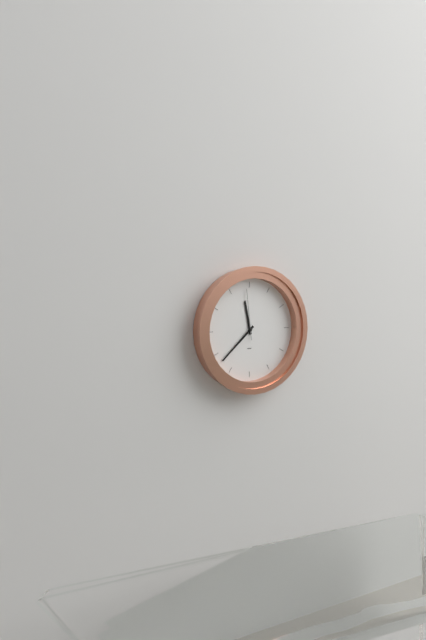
11h38m59s
